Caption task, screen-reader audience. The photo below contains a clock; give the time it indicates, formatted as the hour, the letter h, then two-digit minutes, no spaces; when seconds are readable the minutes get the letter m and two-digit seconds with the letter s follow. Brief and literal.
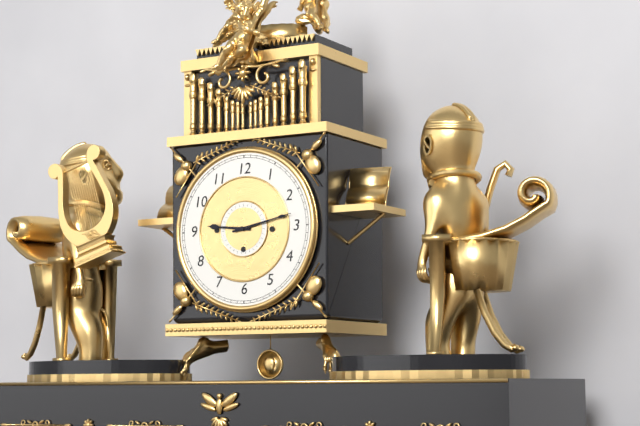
9h13
